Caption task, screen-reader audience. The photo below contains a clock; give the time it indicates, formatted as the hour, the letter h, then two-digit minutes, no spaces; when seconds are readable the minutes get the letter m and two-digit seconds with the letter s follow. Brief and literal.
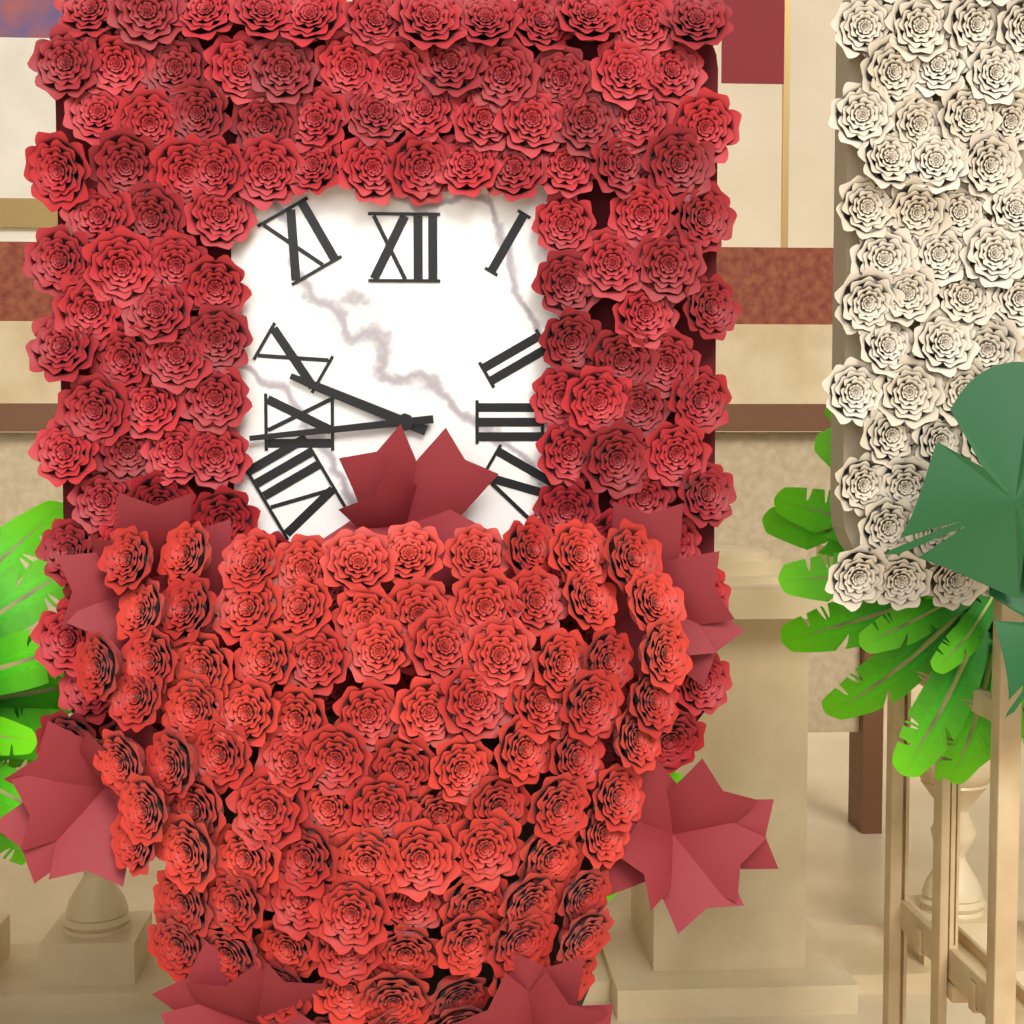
9h44
